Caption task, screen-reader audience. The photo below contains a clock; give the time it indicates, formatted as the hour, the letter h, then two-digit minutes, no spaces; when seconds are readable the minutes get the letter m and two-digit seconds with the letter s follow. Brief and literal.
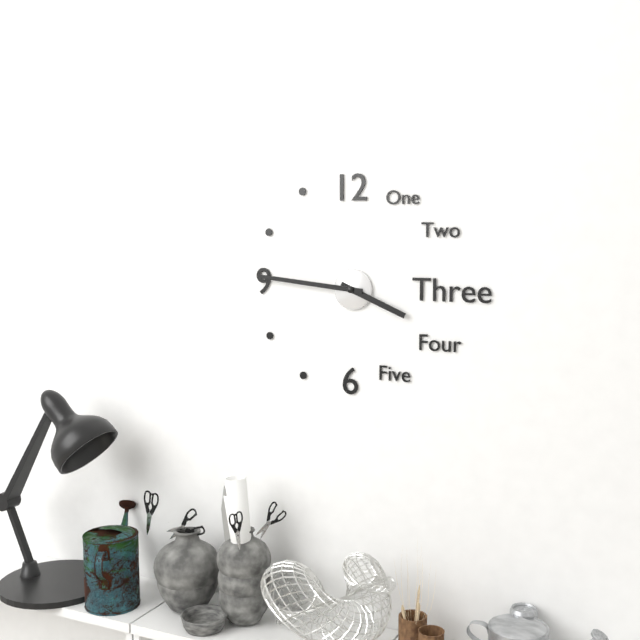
3h46
